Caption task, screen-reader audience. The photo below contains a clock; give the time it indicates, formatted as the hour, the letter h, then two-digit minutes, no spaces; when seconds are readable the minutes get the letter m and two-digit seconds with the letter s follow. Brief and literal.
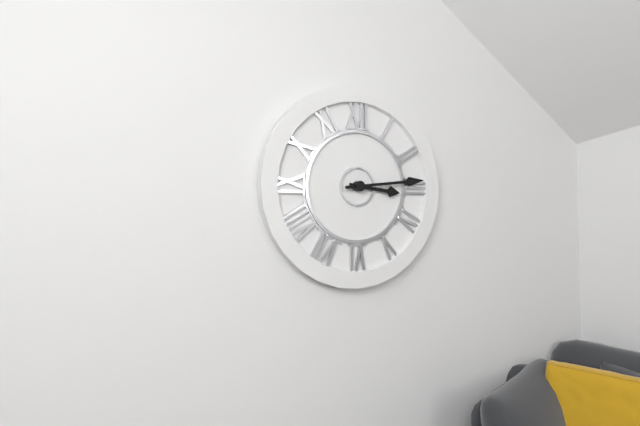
3h14
